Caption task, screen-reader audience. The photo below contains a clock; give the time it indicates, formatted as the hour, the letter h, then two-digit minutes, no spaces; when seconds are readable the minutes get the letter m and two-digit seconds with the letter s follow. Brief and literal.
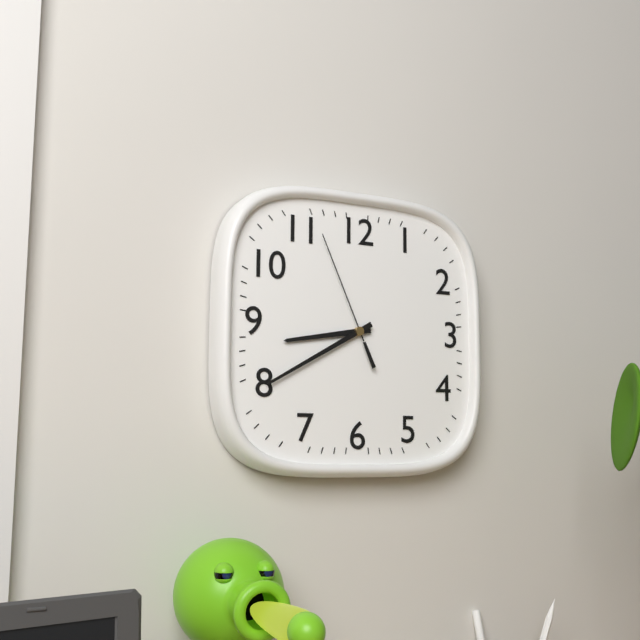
8h40m56s
